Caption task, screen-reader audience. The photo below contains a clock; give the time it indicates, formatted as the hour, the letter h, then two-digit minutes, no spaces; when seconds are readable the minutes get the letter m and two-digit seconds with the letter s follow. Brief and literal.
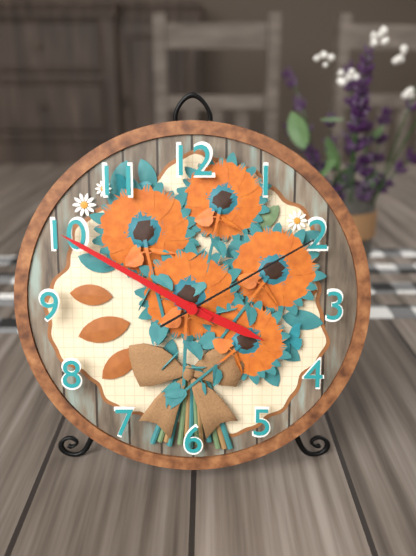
3h50m10s
